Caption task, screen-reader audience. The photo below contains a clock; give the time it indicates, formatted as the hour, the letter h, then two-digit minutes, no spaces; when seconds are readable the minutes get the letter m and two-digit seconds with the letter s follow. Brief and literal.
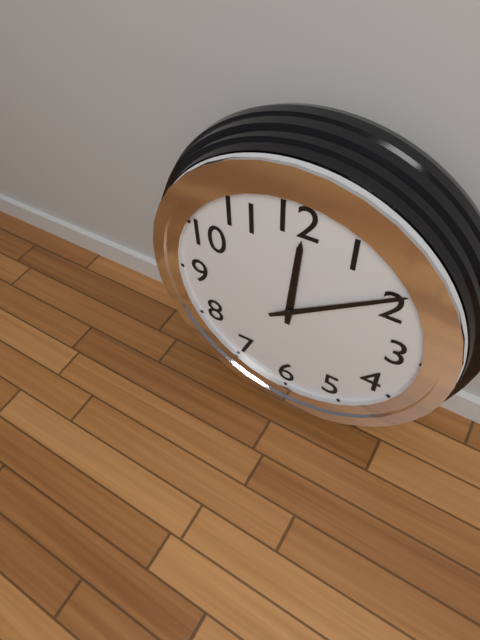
12h09
